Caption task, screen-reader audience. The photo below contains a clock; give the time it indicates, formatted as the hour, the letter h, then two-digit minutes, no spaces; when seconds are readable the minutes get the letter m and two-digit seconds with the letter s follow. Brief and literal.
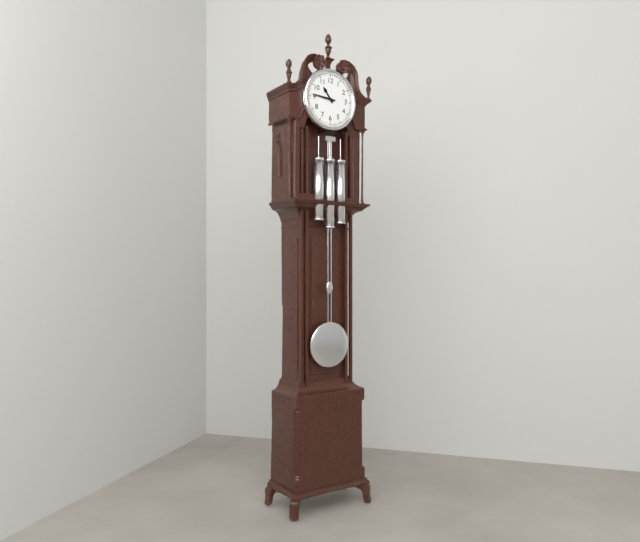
10h46
